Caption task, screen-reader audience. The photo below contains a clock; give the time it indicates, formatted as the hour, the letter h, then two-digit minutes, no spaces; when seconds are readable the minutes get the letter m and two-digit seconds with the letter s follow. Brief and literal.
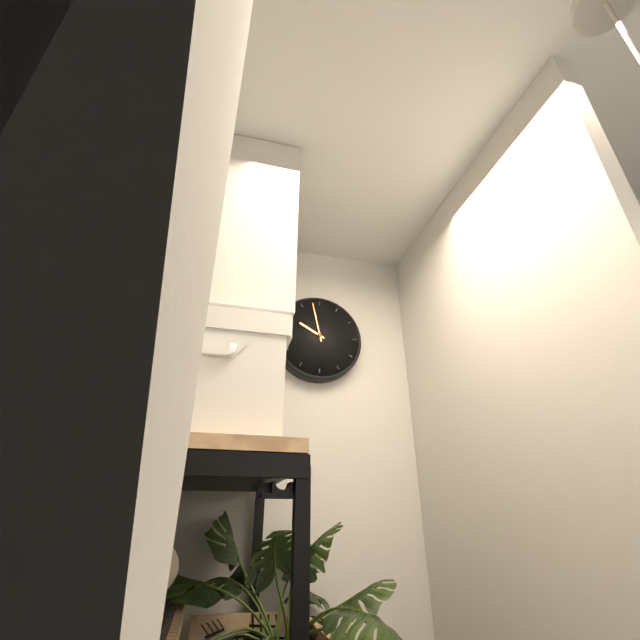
9h58
